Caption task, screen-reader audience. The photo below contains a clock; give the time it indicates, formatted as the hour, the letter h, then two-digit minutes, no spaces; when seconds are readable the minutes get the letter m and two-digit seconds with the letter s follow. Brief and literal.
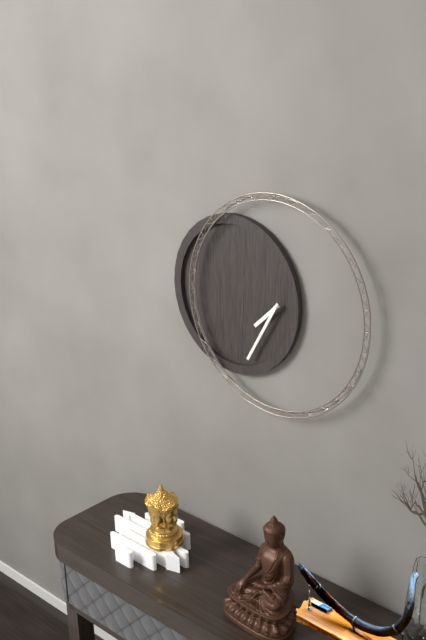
7h35
